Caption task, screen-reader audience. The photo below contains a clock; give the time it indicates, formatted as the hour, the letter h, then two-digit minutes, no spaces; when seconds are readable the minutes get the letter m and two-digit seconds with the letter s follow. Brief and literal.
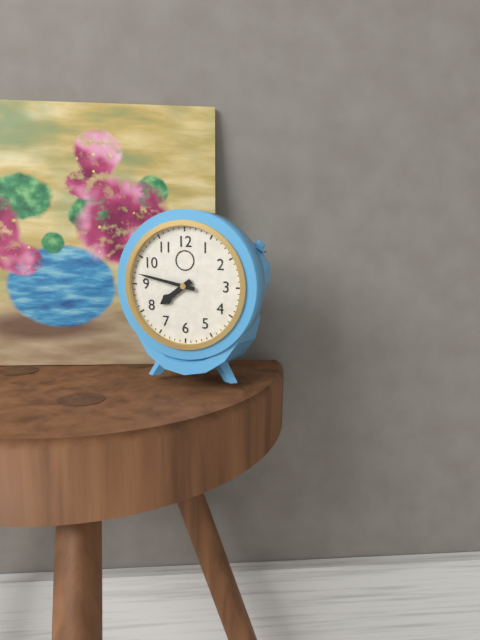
7h47
